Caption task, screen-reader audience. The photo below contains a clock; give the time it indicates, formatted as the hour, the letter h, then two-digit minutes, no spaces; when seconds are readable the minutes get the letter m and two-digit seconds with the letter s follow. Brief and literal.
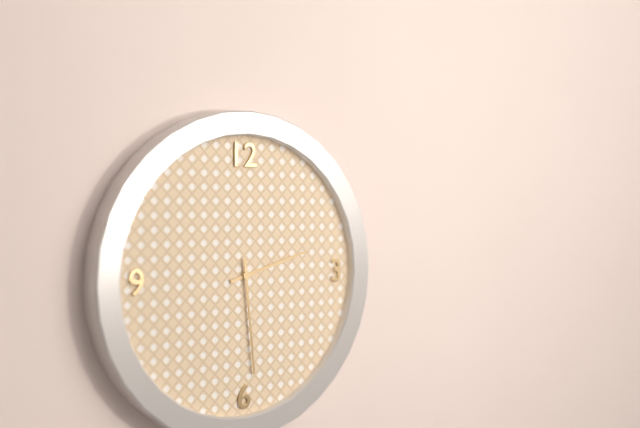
2h29
